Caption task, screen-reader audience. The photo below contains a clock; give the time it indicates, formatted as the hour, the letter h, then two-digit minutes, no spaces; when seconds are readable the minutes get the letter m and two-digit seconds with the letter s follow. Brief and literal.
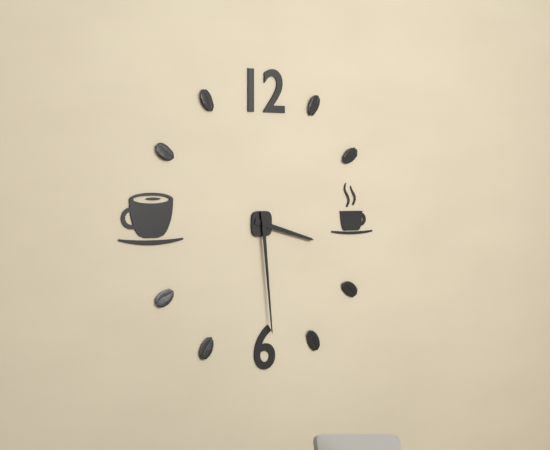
3h29
